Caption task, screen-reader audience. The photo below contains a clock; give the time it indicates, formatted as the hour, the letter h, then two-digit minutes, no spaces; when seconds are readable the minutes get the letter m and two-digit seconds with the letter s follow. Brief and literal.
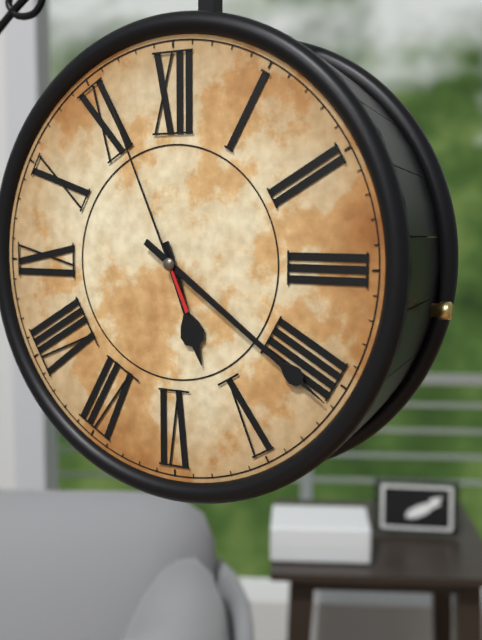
5h21m56s
